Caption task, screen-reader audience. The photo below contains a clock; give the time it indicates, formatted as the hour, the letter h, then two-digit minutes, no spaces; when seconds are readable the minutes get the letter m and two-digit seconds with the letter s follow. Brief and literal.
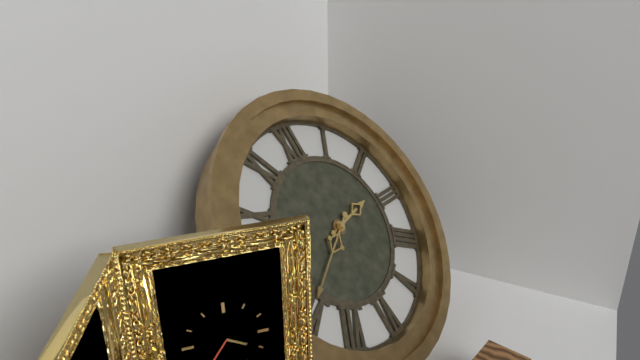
2h40
